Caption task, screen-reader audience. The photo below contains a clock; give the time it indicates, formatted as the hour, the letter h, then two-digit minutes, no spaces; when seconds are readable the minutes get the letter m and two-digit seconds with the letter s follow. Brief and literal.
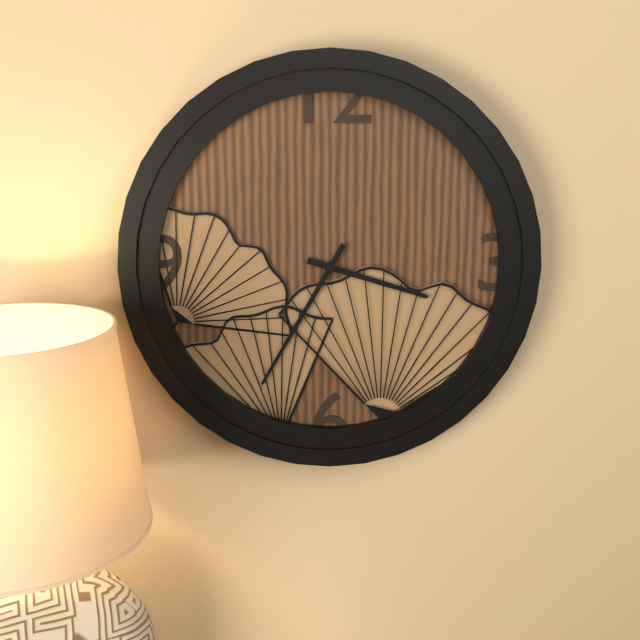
3h35
